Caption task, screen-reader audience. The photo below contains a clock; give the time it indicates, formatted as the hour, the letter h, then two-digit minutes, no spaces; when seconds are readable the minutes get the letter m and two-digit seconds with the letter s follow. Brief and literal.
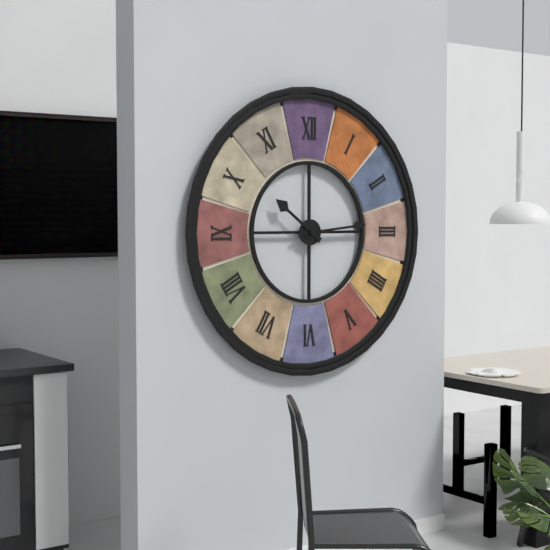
10h14
